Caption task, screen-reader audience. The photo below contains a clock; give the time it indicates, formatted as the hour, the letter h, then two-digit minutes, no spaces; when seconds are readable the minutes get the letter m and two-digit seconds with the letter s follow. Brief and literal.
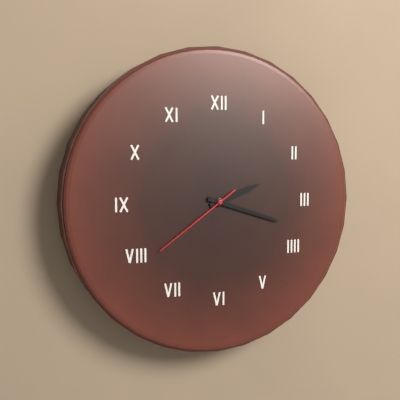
2h18m39s
